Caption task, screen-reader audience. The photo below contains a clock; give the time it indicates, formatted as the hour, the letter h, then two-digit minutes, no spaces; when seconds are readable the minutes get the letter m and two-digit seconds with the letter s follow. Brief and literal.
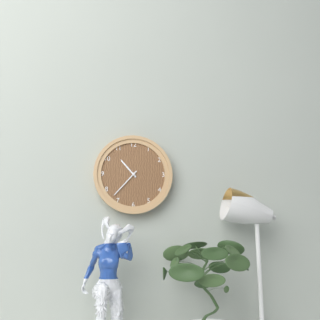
10h37
